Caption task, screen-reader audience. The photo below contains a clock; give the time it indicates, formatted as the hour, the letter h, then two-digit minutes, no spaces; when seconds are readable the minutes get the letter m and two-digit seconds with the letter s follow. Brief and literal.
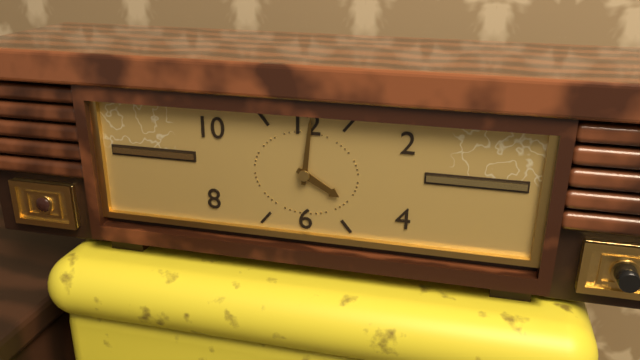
4h01
